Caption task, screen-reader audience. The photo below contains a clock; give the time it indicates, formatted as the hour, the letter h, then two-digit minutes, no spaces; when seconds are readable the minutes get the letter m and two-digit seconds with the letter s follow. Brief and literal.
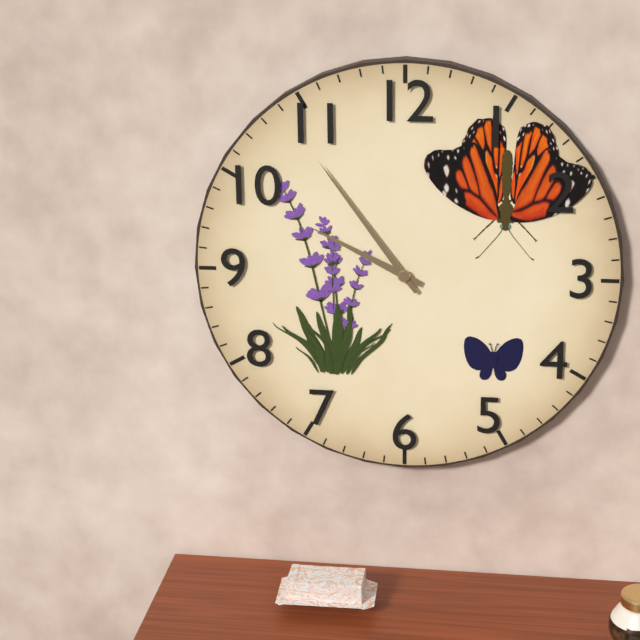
9h54
